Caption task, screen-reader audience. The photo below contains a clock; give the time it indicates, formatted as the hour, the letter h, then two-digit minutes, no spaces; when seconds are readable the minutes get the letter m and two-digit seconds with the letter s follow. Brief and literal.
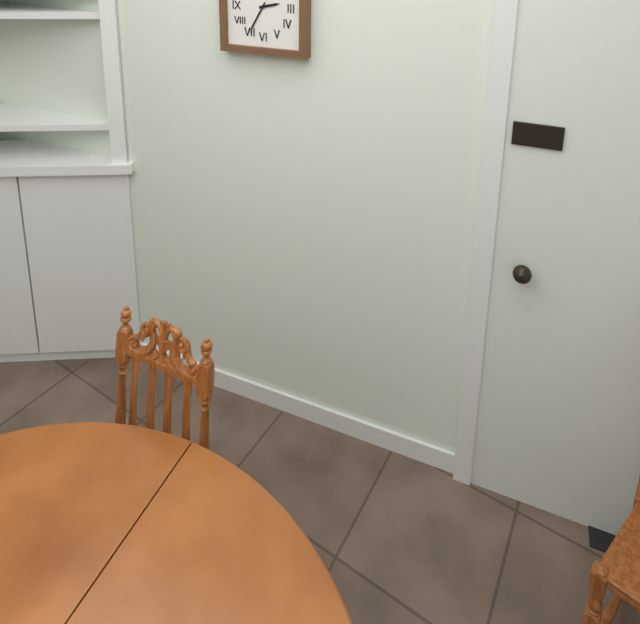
2h35
